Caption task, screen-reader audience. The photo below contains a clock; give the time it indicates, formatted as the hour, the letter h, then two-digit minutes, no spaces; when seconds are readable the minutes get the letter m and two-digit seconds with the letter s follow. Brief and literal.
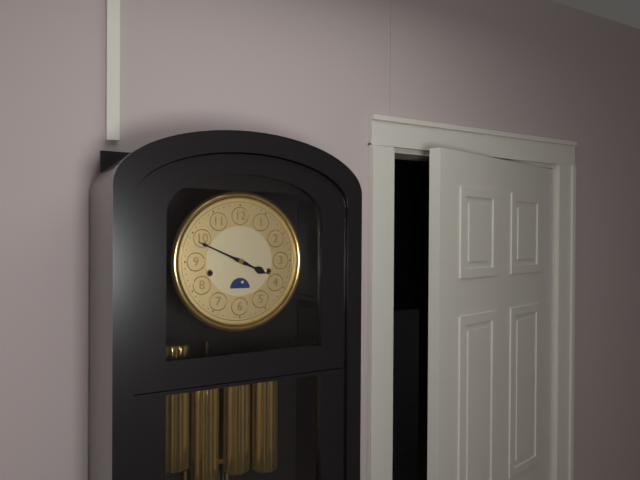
3h49
